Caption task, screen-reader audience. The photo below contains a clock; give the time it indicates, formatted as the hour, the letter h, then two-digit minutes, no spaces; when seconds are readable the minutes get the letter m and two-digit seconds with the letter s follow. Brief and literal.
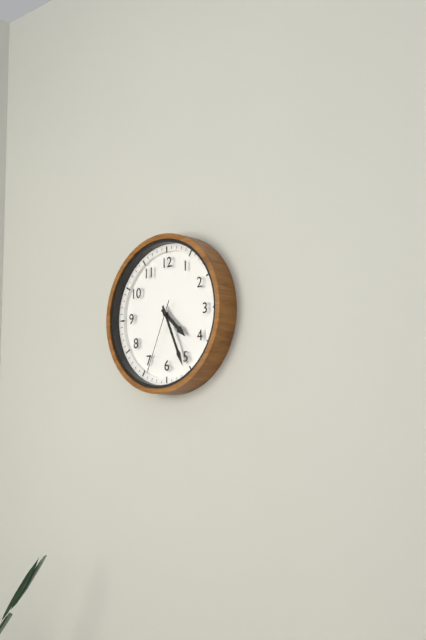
4h26m34s
